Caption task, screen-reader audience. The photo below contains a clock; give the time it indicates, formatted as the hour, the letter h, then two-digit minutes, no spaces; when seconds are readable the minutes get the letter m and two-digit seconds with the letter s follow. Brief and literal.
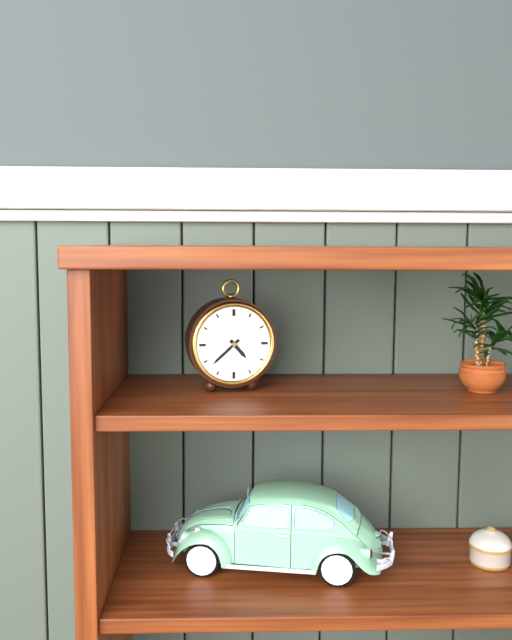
4h38
